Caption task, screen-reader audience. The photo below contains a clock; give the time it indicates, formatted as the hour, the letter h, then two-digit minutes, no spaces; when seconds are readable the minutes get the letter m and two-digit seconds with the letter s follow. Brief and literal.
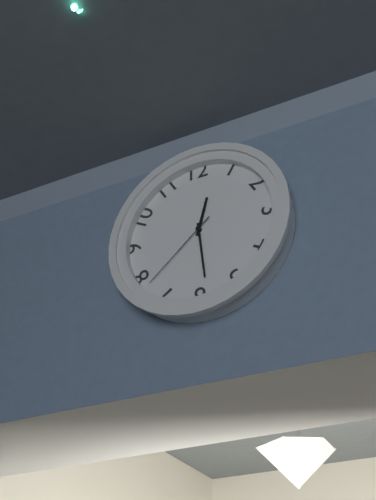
12h29m38s
